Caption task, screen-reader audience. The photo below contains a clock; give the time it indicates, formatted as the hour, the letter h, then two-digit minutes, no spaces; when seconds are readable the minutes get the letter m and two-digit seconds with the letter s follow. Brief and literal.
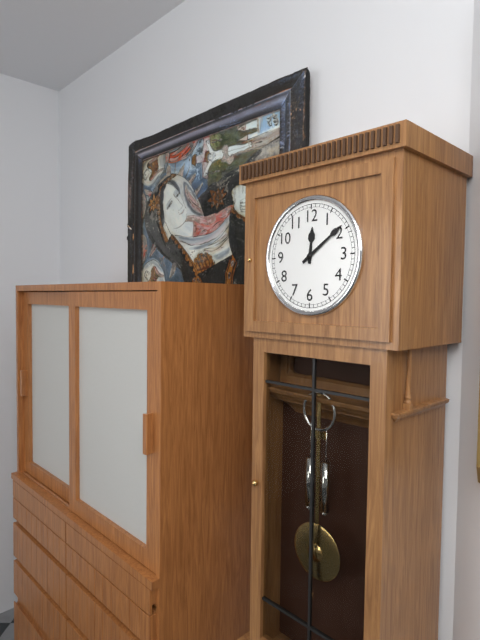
12h09
